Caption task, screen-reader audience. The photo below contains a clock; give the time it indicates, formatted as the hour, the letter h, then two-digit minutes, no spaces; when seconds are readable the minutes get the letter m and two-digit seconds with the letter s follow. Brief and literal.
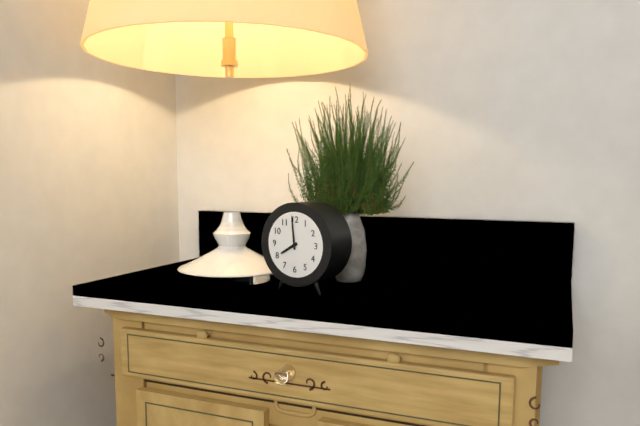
7h59
